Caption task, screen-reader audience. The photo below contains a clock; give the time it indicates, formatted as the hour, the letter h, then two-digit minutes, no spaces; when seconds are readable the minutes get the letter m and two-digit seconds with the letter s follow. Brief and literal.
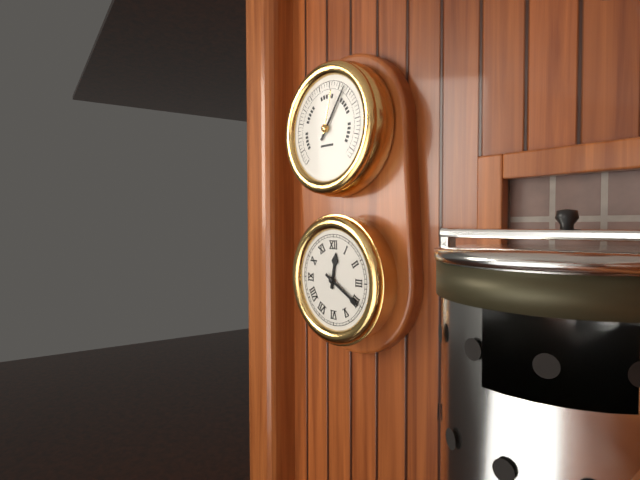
12h20
